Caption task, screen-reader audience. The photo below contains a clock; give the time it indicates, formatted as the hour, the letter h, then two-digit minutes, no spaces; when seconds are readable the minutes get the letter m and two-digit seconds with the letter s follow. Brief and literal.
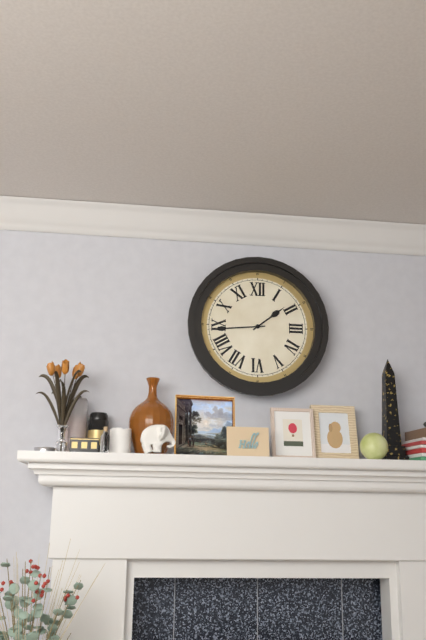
1h44
